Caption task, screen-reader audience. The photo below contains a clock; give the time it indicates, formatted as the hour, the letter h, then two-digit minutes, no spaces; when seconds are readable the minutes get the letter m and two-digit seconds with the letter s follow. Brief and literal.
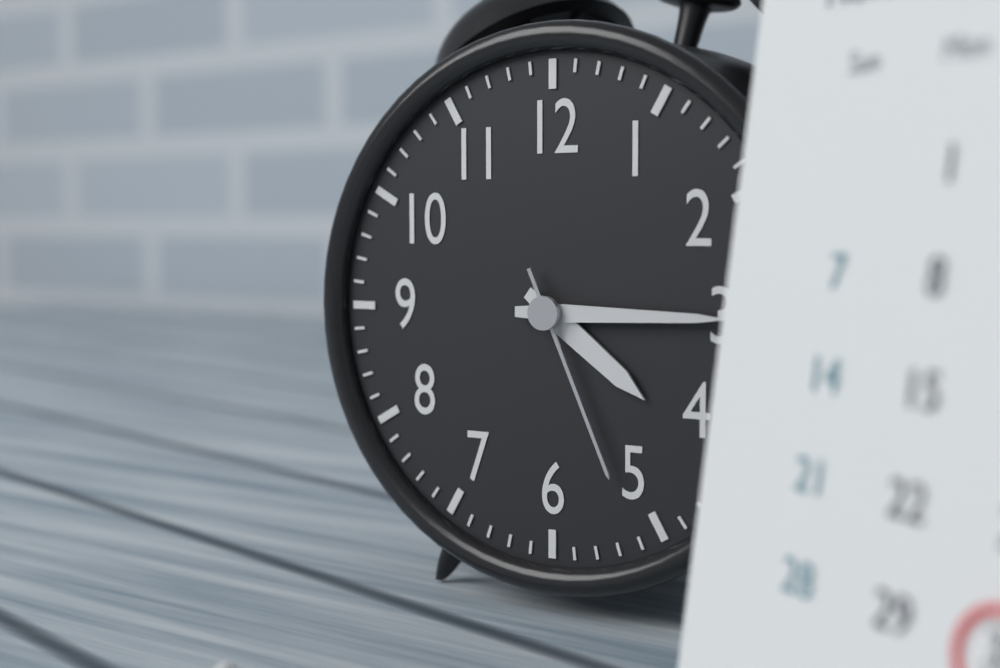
4h15m26s
